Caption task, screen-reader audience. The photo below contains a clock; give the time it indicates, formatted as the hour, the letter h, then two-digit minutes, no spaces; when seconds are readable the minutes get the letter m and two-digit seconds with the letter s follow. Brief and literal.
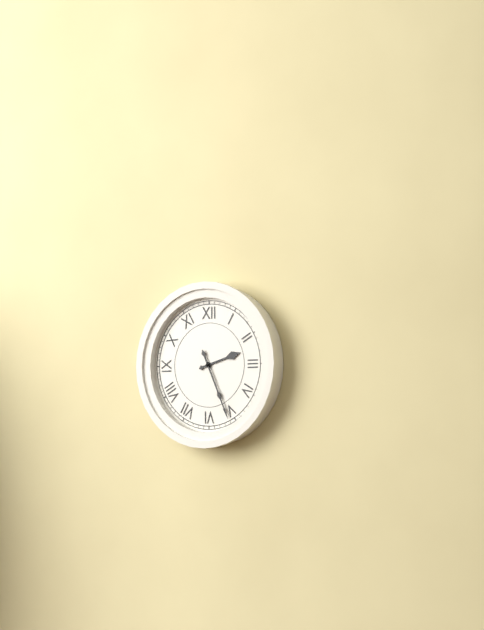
2h26
